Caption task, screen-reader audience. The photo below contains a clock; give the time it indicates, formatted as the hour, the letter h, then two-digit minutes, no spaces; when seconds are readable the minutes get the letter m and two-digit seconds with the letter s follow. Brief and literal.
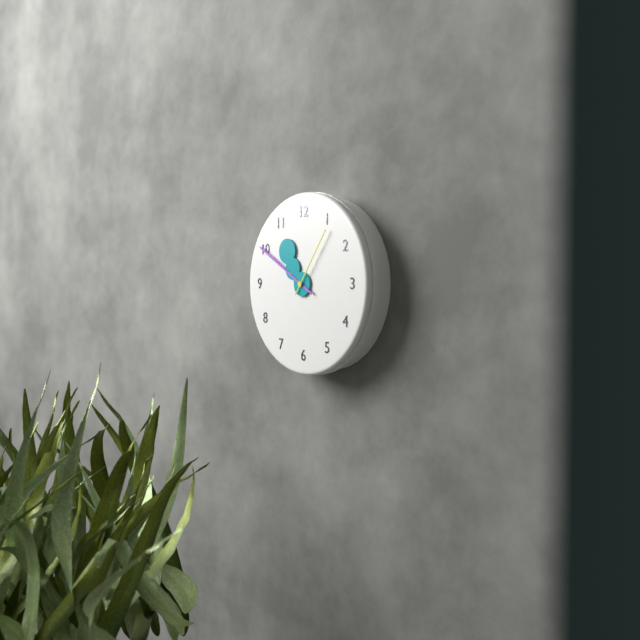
10h50m06s
